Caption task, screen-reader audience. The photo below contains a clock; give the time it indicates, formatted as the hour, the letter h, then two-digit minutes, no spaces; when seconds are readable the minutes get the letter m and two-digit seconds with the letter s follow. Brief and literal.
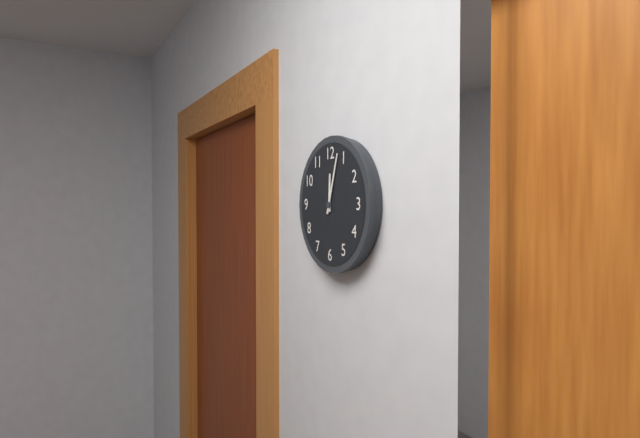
12h03
